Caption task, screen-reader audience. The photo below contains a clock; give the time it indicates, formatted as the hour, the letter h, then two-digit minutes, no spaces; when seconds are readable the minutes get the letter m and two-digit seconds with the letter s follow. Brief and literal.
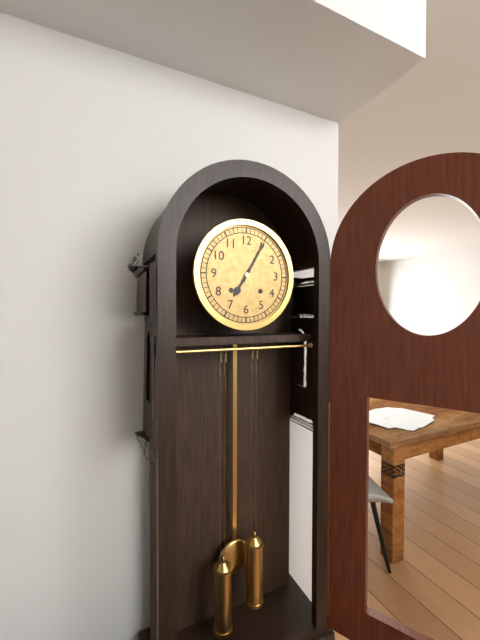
7h05
